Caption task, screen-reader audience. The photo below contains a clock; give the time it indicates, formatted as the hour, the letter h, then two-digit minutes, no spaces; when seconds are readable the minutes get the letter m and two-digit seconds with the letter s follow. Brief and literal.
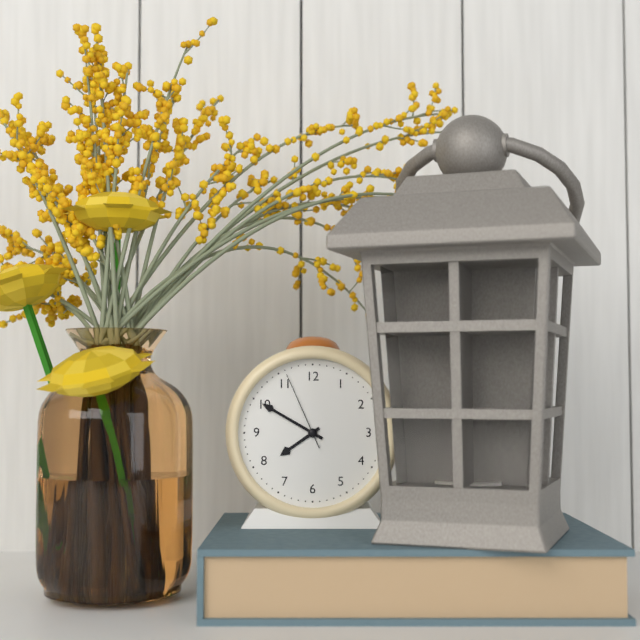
7h50m56s
